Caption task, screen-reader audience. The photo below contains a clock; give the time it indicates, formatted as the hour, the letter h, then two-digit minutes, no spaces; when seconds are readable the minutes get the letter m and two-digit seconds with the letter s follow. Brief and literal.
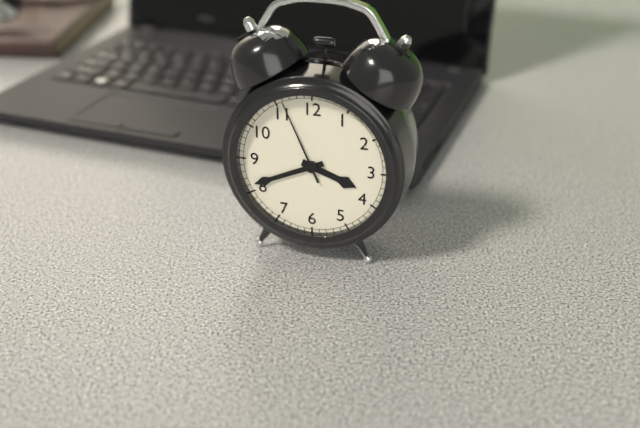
3h41m56s
